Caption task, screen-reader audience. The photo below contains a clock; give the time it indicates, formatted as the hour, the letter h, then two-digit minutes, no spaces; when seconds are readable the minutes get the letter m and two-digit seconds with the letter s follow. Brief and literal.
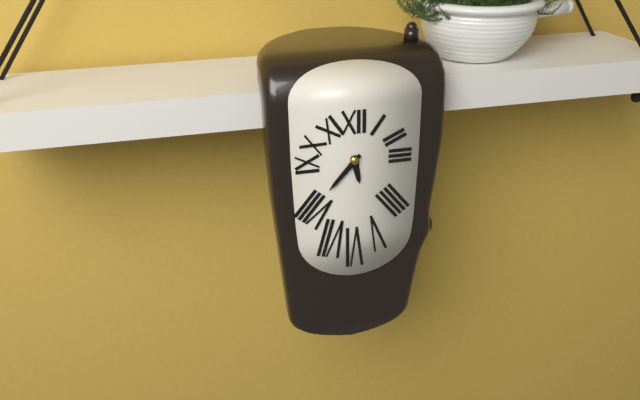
5h37
